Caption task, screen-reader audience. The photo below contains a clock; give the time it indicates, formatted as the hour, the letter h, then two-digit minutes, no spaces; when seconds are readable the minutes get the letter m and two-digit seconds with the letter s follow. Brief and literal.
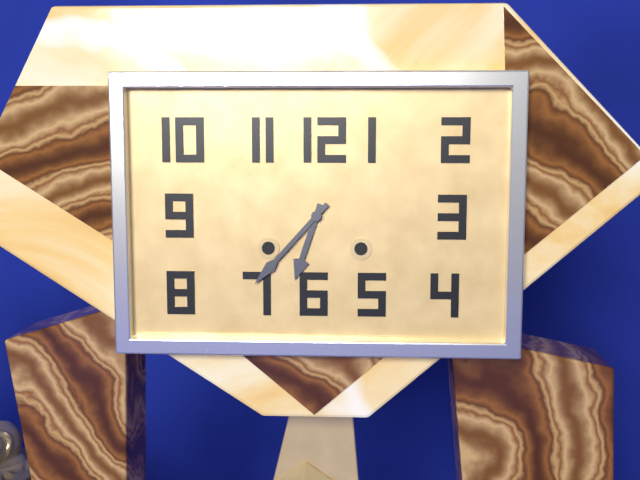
6h37
